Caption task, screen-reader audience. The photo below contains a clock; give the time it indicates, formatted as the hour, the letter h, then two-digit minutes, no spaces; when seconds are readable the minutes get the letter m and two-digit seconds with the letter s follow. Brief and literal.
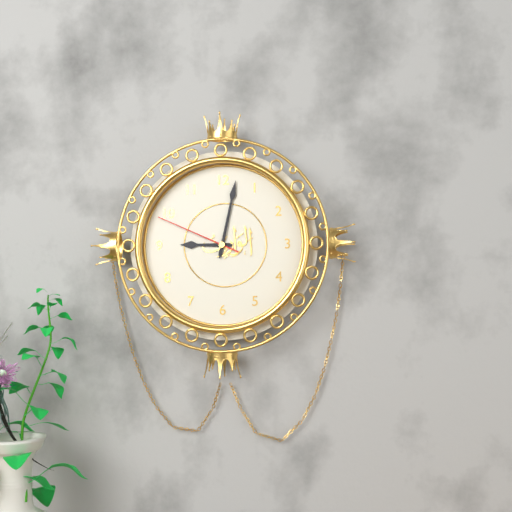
9h02m49s
